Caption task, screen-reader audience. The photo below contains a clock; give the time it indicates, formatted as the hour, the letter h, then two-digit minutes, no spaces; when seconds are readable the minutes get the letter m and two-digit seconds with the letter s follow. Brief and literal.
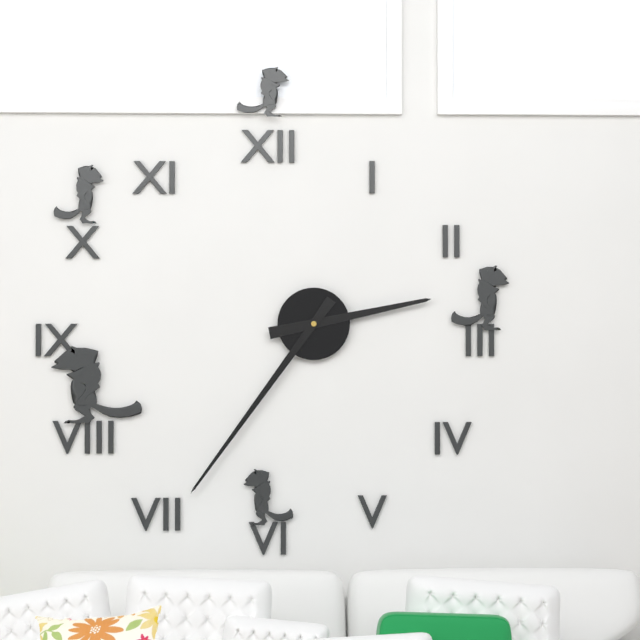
2h36
